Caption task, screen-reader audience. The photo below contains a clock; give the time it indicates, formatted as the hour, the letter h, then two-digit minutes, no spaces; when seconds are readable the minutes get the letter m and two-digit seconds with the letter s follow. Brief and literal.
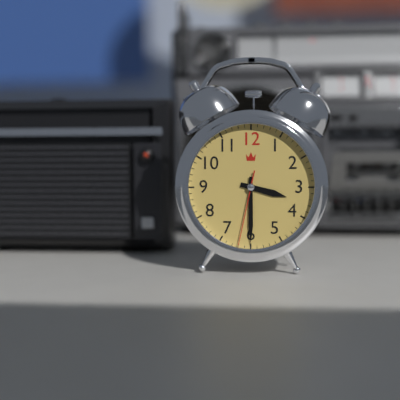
3h30m32s
